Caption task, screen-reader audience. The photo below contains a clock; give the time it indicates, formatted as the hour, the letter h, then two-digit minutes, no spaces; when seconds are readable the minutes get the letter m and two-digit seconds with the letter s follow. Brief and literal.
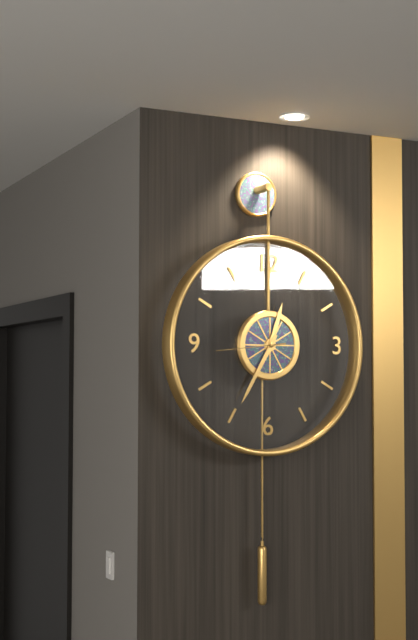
12h35m44s
